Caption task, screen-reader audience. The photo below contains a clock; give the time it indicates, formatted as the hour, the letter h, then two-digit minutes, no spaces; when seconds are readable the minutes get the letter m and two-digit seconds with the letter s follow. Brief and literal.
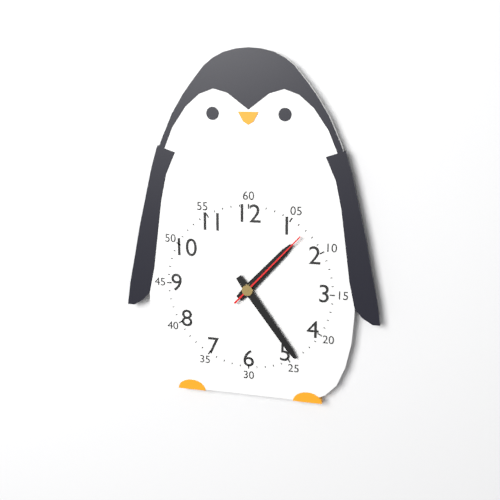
1h24m07s
